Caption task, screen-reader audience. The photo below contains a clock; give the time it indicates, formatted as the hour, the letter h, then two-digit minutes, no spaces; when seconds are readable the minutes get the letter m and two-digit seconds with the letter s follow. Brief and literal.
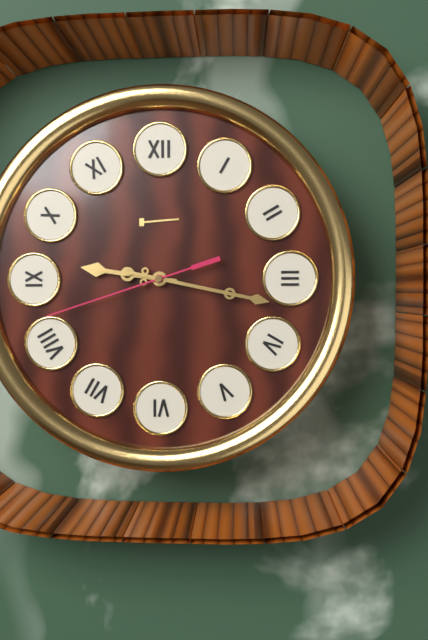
9h17m42s
